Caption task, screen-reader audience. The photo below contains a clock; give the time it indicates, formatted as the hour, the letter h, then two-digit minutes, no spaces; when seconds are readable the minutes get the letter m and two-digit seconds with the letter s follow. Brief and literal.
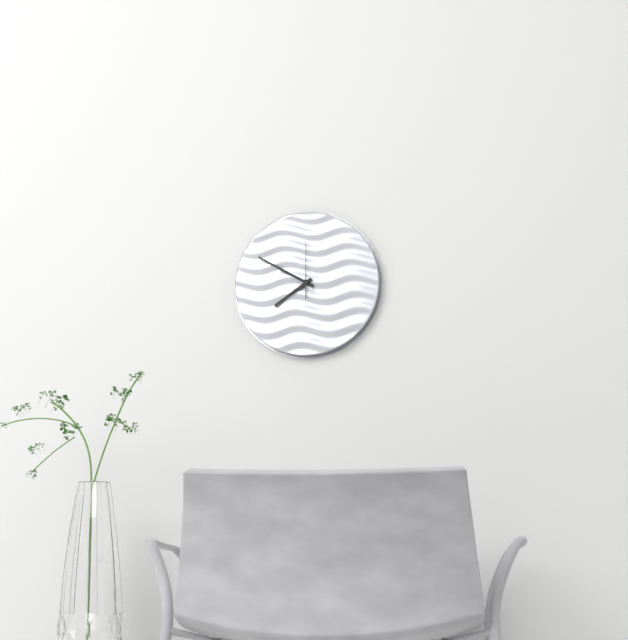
7h50m00s
